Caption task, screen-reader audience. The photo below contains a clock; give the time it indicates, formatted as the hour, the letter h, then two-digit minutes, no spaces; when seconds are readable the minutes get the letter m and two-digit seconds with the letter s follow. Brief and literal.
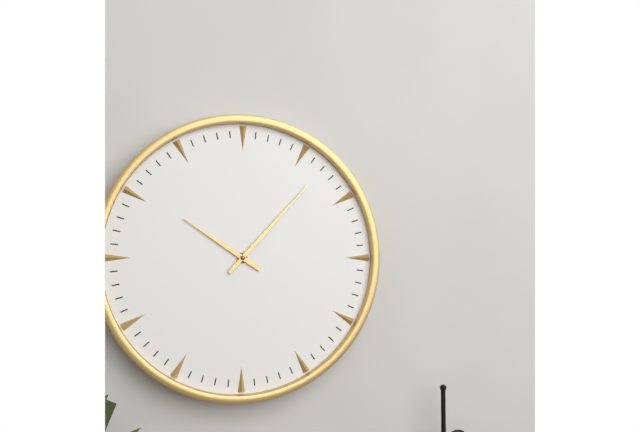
10h07
